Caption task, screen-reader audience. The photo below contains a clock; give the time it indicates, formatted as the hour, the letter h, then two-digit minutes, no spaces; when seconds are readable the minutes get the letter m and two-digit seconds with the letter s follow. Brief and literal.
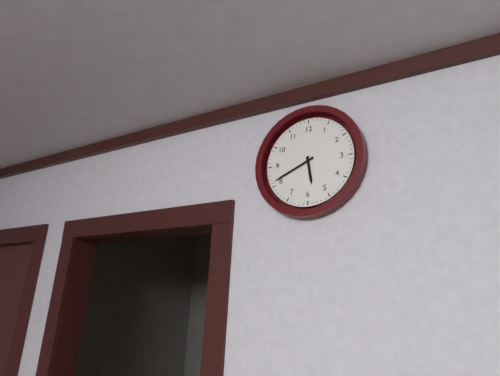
5h41
